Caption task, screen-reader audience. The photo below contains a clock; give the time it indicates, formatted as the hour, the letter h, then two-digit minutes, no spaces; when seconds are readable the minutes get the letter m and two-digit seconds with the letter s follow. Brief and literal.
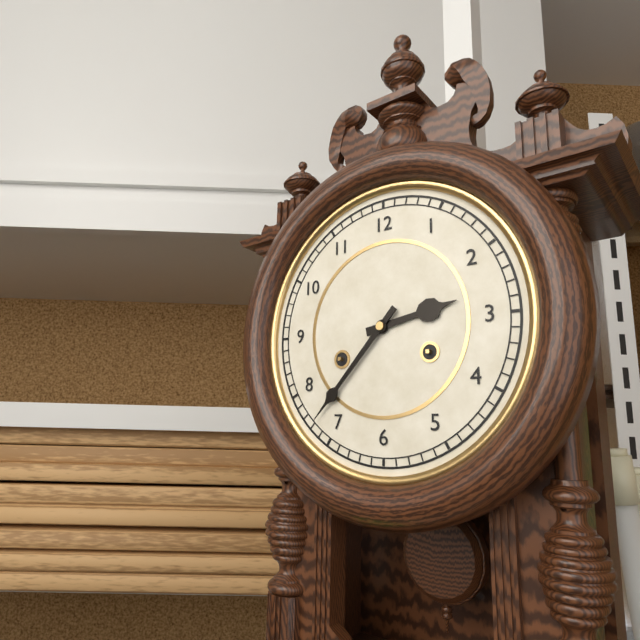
2h37
